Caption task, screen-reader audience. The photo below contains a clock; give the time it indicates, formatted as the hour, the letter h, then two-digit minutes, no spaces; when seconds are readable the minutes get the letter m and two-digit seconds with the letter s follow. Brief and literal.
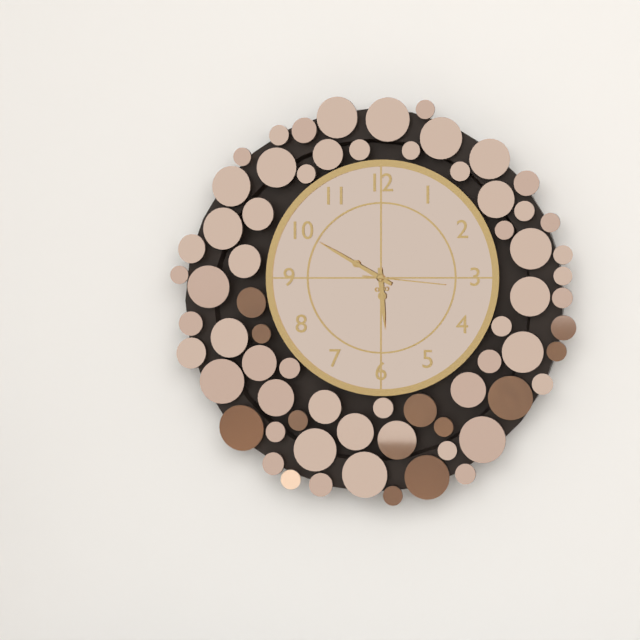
5h50m16s
